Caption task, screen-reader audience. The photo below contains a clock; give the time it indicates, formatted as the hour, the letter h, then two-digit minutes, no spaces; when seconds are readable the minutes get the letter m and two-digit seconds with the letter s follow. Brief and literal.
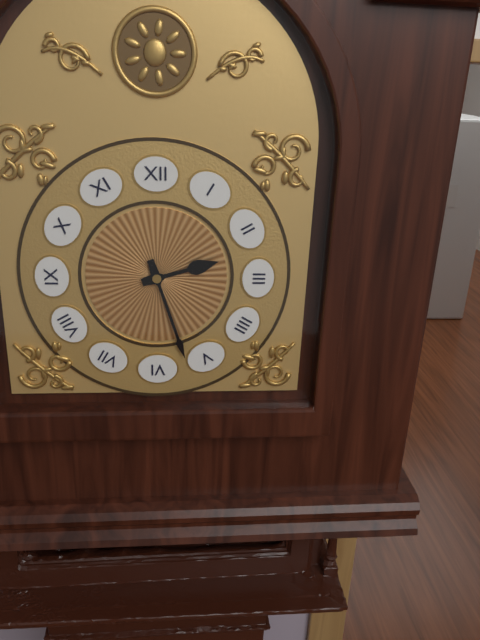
2h27
